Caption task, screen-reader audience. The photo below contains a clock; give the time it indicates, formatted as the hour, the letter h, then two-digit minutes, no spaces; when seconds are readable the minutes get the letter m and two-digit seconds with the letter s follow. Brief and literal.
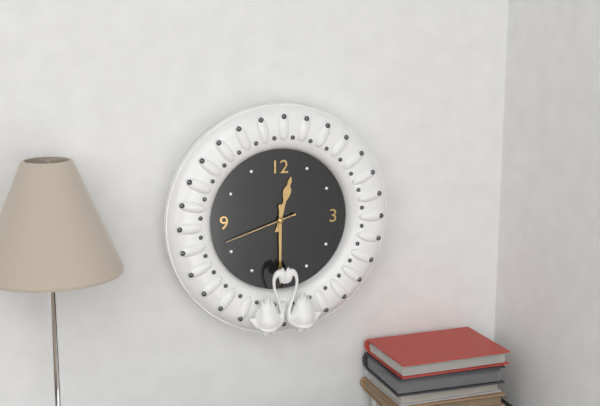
12h30m42s
